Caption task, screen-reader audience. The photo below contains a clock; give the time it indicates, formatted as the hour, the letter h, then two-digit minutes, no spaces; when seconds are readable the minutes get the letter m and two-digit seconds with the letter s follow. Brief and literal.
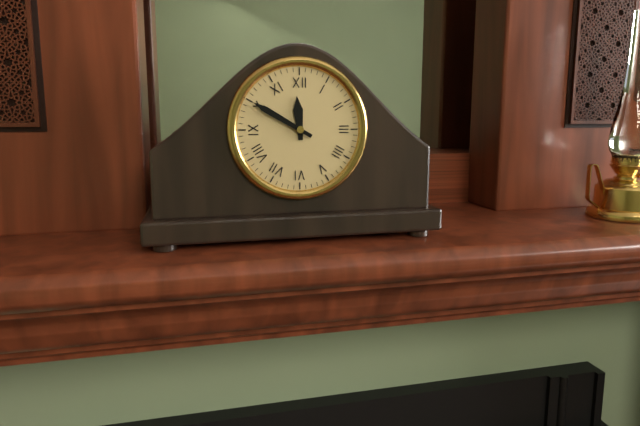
11h50
